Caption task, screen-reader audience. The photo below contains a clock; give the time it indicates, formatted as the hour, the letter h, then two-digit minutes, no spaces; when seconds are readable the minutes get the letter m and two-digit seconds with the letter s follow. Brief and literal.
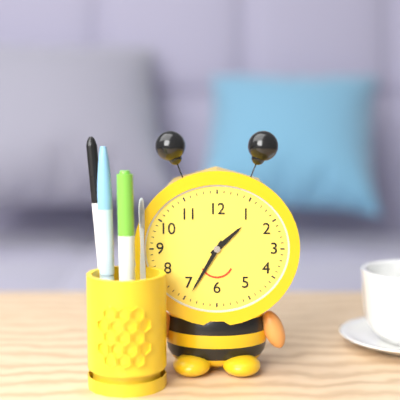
1h35
